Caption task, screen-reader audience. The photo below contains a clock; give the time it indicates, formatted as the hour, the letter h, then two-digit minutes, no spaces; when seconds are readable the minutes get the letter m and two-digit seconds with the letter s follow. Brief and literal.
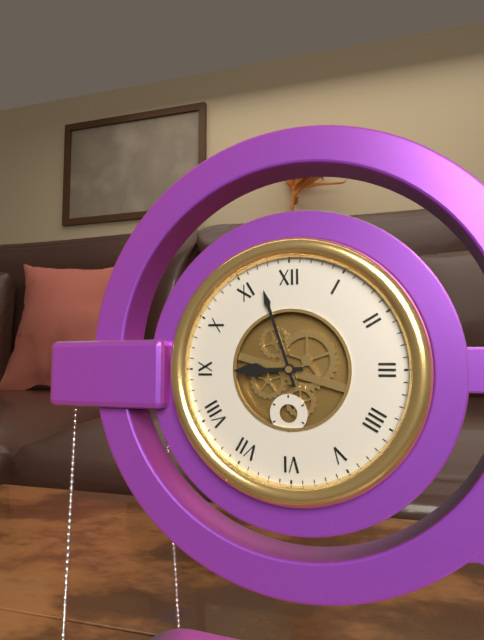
8h57
